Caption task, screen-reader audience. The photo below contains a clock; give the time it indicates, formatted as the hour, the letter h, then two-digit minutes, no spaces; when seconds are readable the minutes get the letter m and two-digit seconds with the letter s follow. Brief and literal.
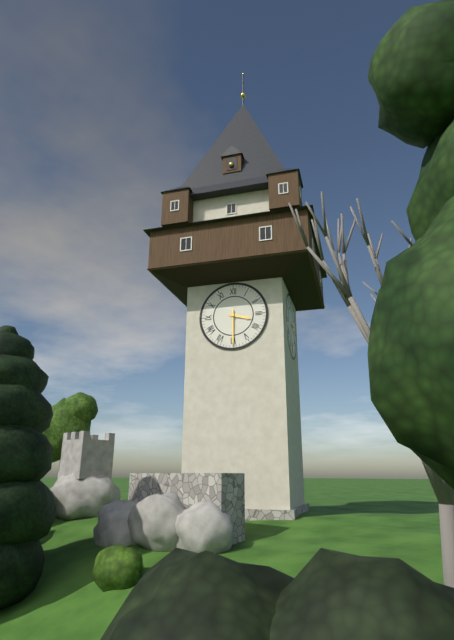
3h30
